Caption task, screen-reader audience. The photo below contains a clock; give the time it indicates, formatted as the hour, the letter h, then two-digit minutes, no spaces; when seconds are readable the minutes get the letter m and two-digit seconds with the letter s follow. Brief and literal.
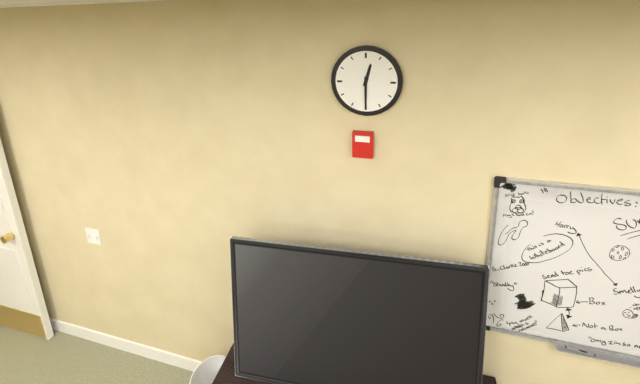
12h30
